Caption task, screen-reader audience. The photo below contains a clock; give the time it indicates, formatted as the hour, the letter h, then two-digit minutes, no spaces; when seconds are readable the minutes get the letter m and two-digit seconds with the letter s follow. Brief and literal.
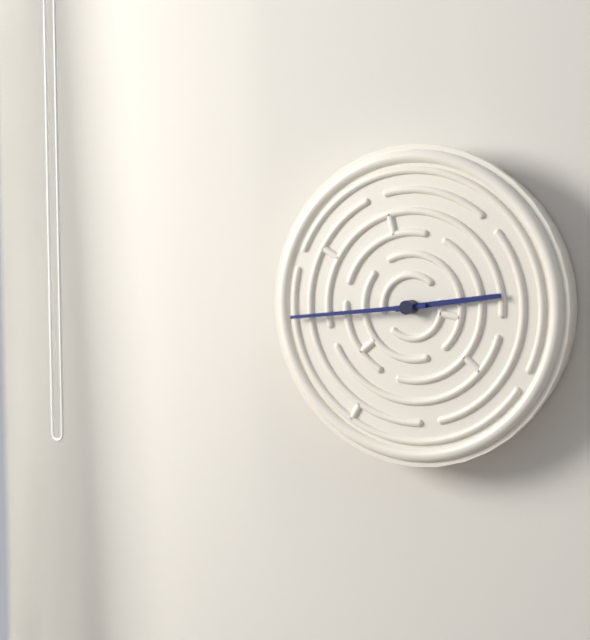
2h44
